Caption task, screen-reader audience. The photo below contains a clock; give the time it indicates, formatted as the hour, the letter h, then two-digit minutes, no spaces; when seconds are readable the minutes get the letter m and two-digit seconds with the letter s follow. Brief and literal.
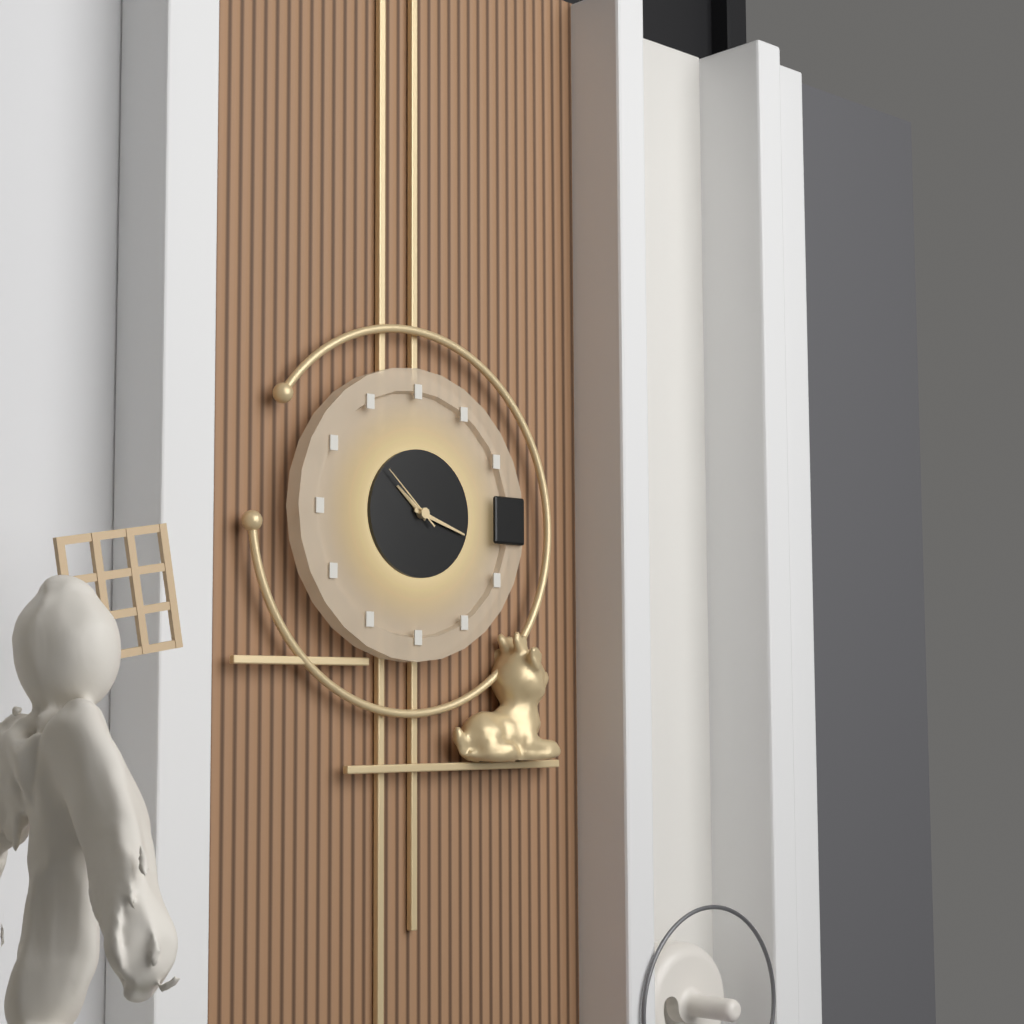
10h18m52s
